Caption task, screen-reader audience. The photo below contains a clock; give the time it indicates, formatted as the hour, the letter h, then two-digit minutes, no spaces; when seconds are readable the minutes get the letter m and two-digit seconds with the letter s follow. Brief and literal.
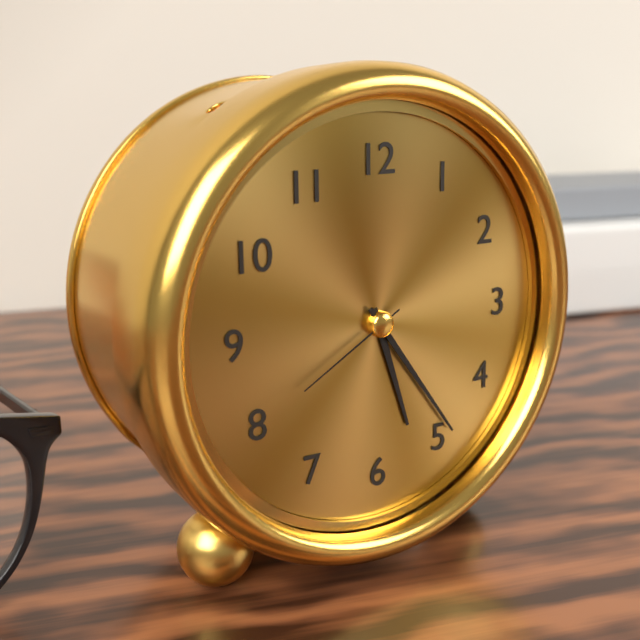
5h24m40s
